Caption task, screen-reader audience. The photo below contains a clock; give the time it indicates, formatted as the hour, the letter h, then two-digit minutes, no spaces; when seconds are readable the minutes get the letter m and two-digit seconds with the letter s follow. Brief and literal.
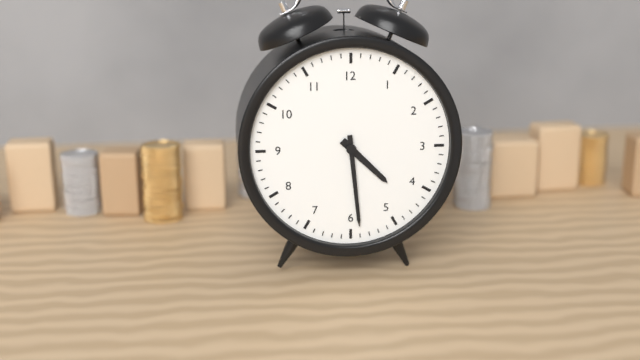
4h29
